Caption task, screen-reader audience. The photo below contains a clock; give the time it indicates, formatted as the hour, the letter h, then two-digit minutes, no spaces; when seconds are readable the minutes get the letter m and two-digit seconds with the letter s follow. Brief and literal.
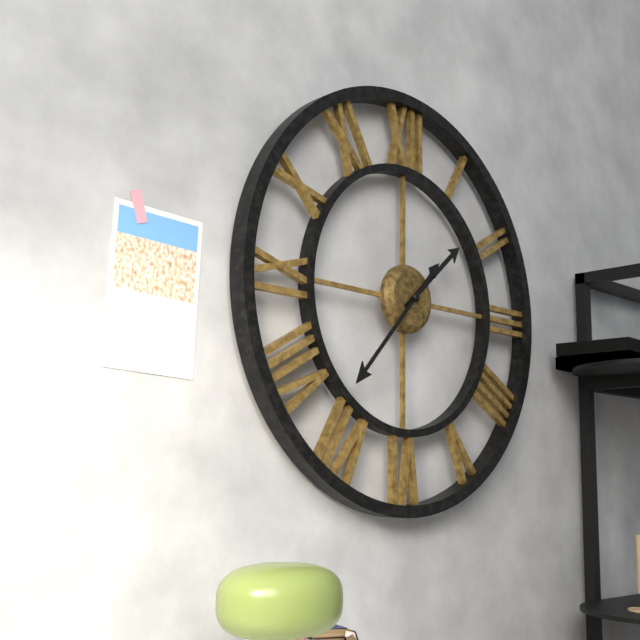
1h37
